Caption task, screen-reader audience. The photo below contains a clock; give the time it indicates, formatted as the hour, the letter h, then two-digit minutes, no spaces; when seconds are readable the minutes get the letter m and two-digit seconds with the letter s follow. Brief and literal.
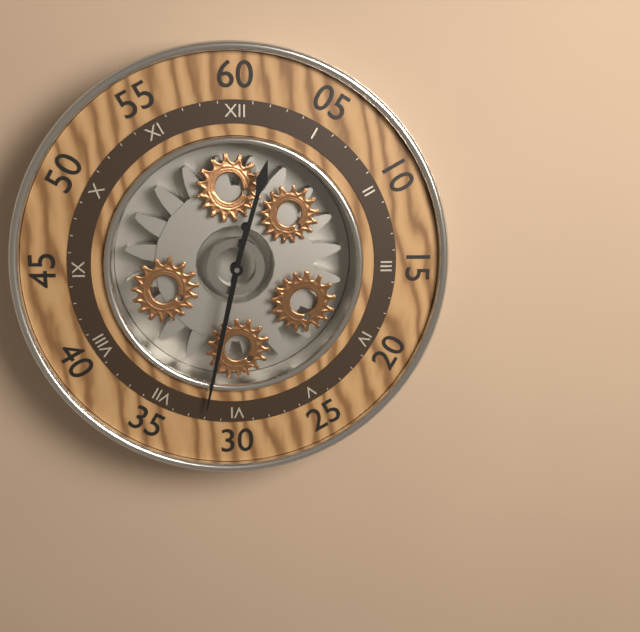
12h32
